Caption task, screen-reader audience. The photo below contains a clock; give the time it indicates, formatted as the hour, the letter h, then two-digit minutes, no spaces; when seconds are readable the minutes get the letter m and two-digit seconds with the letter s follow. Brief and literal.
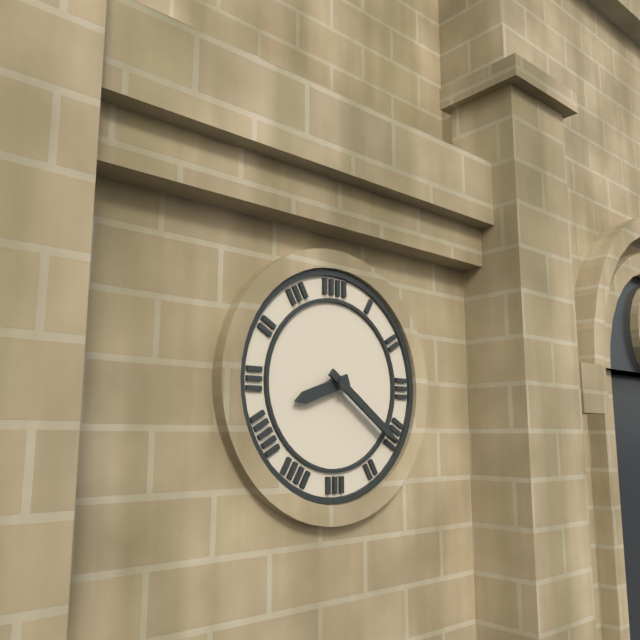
8h21
